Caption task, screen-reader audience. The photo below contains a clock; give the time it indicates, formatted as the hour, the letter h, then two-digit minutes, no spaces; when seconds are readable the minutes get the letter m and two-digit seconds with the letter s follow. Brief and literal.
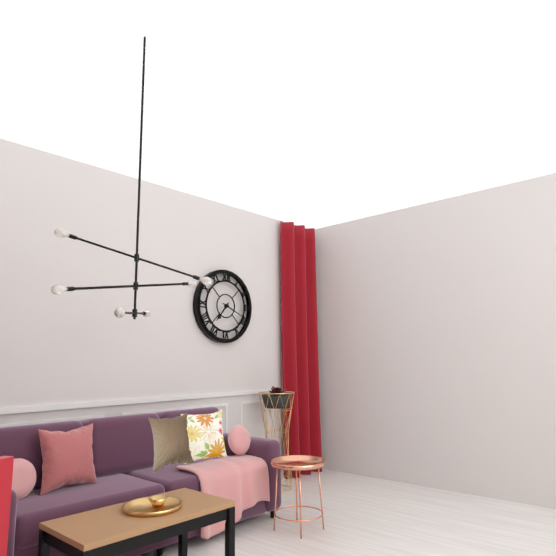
7h19
